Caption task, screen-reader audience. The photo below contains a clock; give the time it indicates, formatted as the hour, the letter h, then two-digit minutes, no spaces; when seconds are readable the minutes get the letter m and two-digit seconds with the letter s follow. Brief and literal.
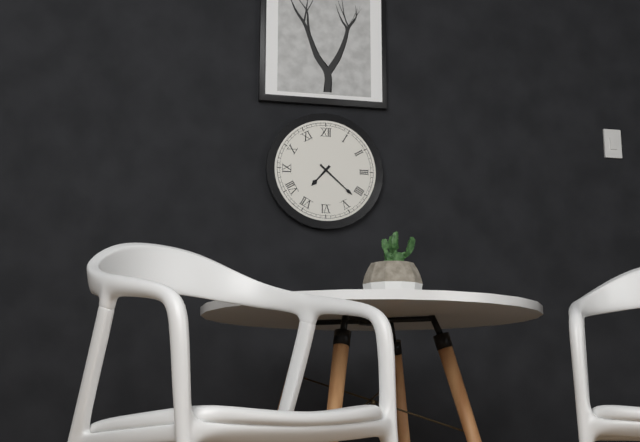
7h22
